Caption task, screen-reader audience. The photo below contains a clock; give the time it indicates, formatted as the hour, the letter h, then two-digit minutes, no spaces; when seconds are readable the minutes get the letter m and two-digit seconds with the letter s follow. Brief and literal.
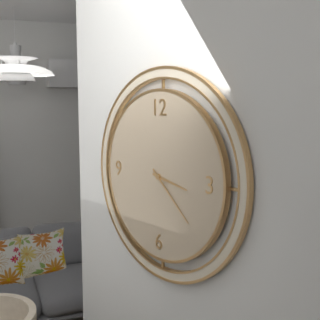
3h22
